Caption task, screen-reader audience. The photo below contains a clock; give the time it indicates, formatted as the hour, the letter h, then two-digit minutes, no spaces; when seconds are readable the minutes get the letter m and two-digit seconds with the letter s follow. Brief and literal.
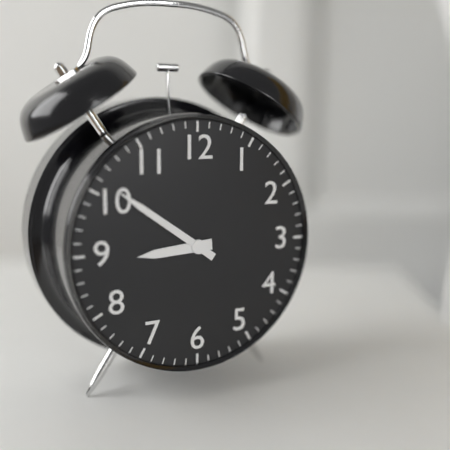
8h51
